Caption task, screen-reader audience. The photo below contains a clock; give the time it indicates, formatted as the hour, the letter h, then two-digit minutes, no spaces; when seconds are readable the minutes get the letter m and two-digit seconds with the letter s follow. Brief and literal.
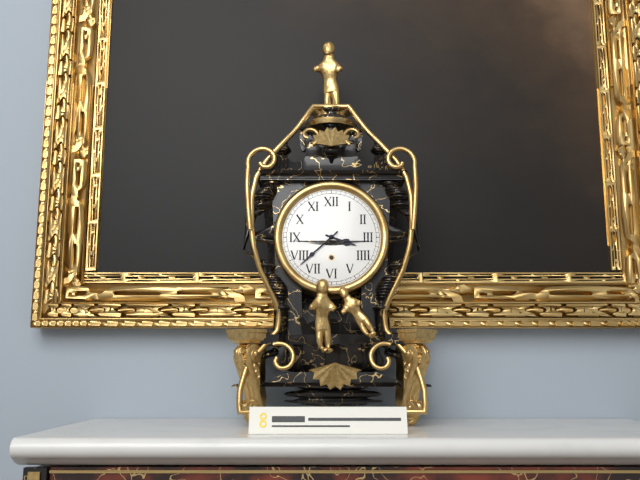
3h38
